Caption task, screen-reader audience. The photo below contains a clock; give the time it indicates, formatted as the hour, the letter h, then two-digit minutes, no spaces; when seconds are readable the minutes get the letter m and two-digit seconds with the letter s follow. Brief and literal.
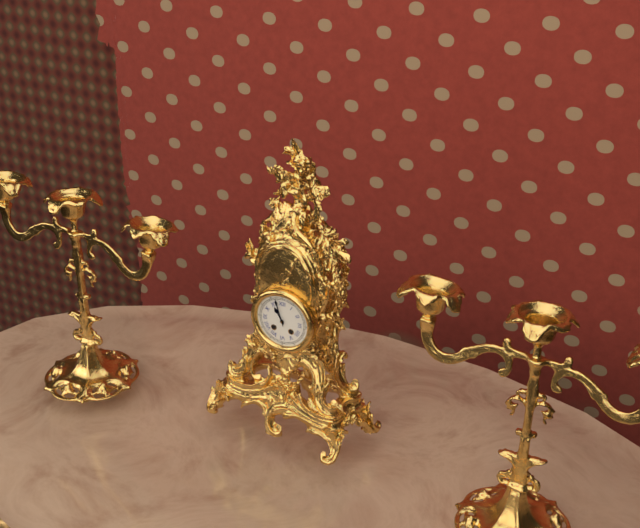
10h57
